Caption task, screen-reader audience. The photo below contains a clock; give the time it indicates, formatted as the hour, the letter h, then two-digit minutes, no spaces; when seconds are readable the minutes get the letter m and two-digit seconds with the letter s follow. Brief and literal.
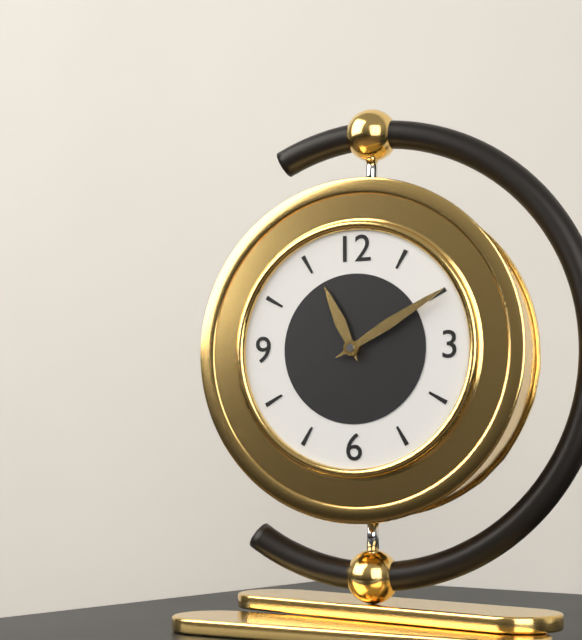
11h10
